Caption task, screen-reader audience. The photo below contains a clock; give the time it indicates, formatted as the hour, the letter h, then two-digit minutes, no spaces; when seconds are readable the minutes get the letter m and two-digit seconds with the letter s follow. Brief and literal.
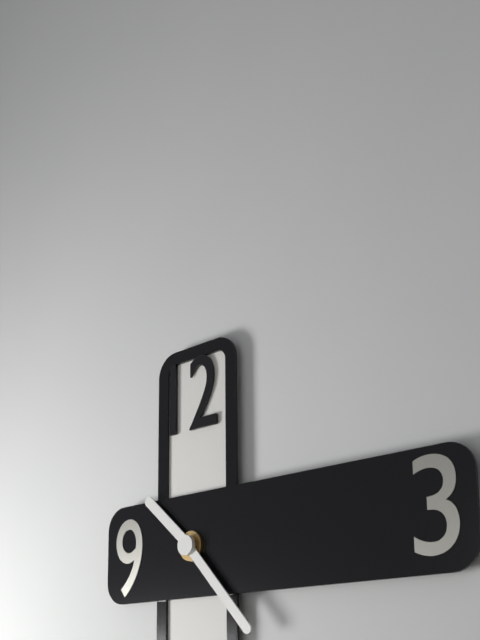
10h23
